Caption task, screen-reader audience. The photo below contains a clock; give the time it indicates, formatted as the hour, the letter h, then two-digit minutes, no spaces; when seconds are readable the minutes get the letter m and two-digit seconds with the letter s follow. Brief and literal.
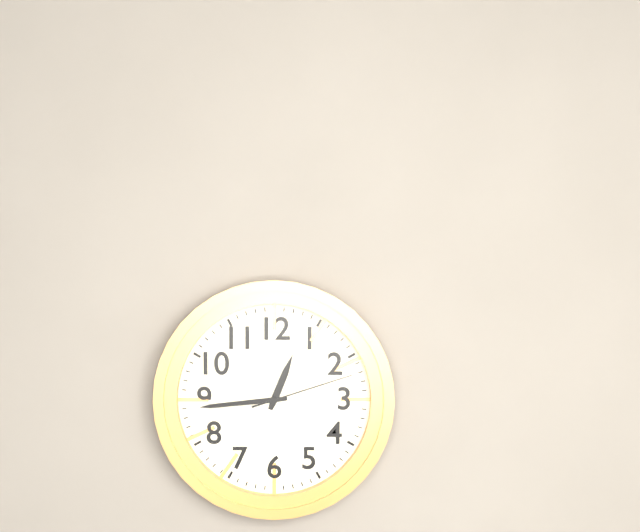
12h44m12s
